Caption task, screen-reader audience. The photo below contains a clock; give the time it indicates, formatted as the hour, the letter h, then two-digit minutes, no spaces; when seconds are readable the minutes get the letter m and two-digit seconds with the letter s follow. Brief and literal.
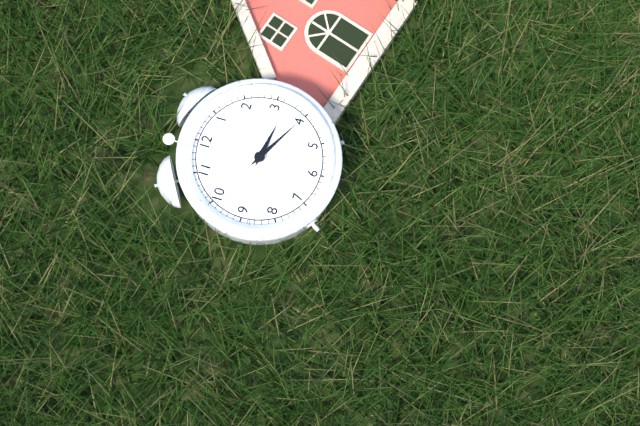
3h20
